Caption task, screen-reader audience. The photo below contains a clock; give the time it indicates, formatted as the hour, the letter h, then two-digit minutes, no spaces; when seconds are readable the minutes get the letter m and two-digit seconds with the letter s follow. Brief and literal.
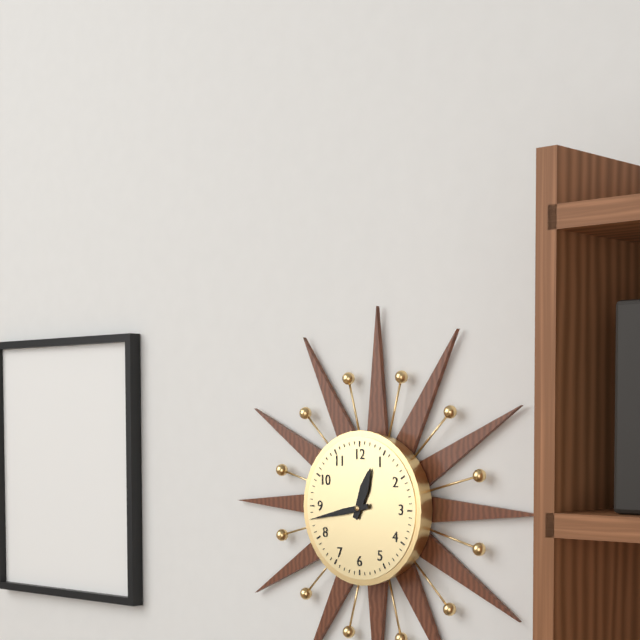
12h43
